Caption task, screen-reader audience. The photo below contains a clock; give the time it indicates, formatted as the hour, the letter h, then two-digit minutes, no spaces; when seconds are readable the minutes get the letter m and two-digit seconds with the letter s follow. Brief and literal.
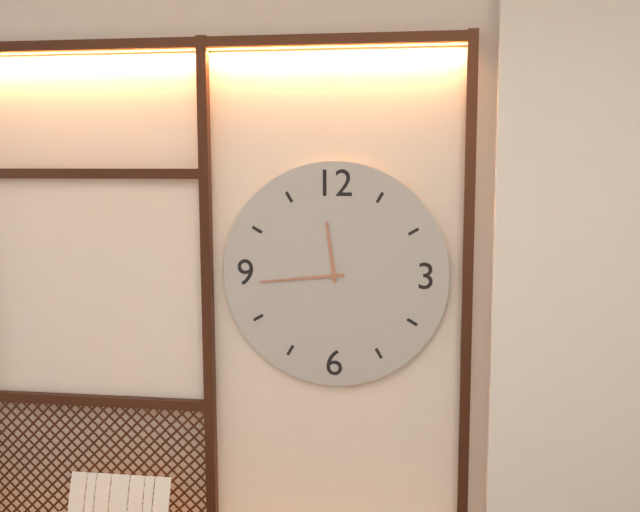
11h44
